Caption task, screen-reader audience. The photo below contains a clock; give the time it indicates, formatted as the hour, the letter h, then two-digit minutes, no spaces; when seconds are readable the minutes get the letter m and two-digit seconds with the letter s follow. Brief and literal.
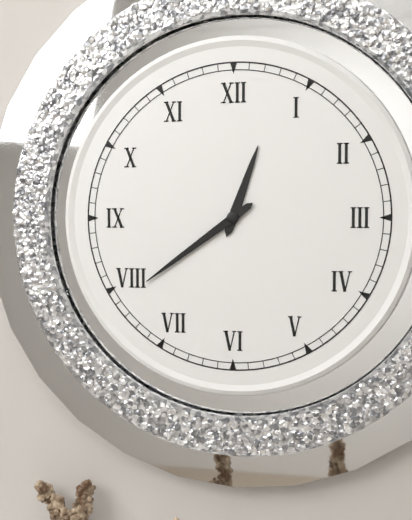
12h39
